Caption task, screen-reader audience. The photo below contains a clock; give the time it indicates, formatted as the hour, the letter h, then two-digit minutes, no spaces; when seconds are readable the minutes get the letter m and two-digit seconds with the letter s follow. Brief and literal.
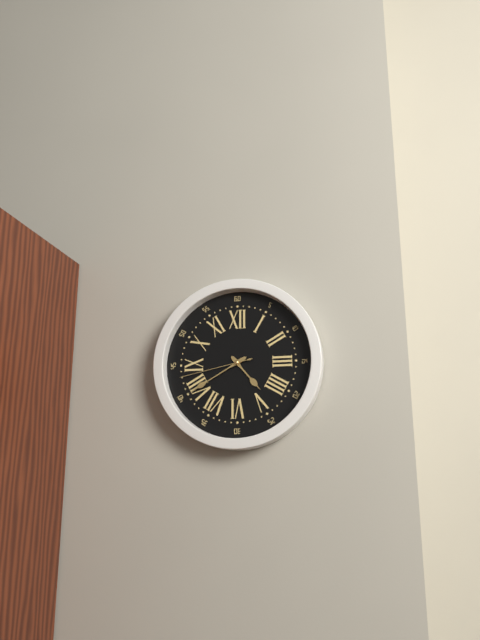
4h40m43s
